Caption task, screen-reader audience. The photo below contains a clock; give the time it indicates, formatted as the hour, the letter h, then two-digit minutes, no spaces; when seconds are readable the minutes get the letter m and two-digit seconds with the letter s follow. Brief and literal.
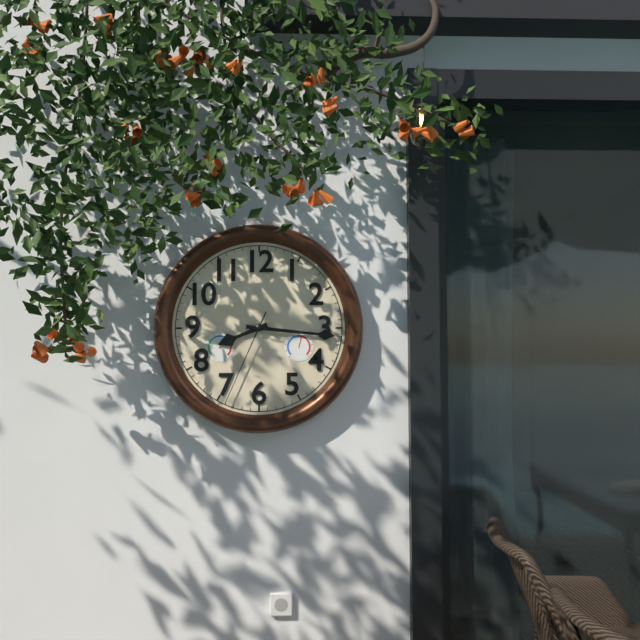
8h16m34s
